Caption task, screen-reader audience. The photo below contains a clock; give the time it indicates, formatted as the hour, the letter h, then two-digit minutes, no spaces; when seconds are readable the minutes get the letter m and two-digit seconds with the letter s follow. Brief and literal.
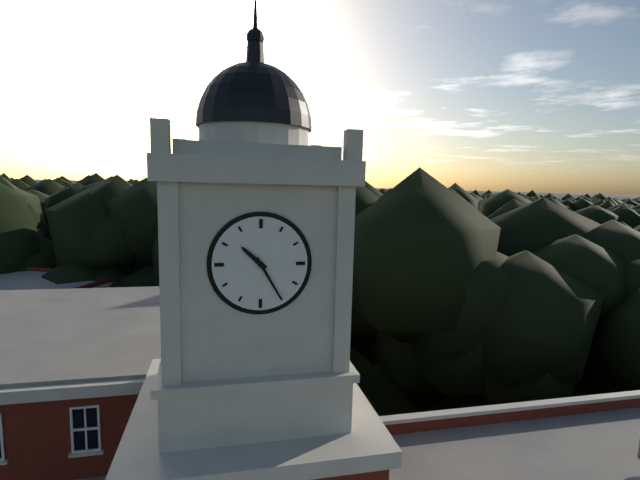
10h25
